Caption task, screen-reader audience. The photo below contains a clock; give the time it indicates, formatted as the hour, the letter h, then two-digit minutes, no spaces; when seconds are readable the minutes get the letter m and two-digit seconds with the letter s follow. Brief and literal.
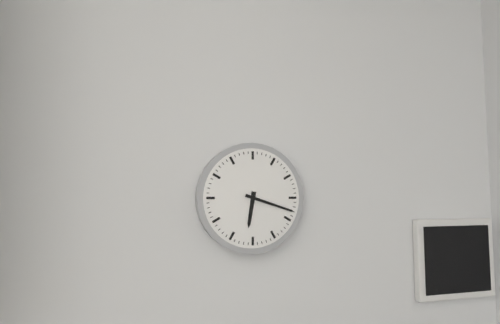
6h18
